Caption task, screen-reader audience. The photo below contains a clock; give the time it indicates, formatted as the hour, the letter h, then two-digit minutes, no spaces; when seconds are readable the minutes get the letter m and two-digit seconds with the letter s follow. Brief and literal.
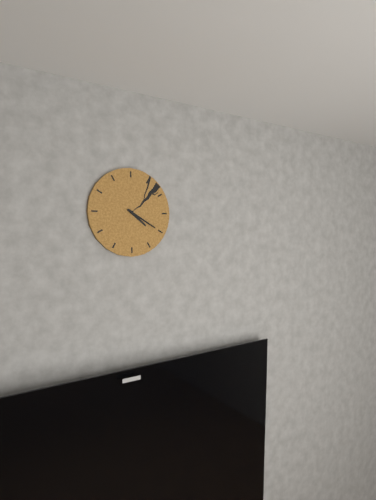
4h20
